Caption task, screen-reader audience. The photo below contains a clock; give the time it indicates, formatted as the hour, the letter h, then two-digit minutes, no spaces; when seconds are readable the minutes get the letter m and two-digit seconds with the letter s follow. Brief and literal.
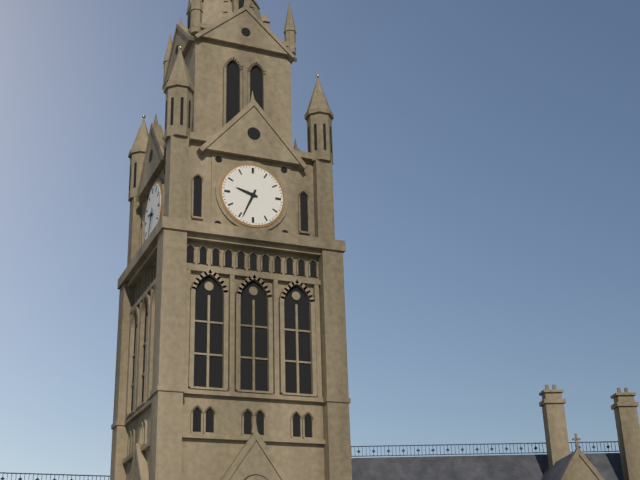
9h34
